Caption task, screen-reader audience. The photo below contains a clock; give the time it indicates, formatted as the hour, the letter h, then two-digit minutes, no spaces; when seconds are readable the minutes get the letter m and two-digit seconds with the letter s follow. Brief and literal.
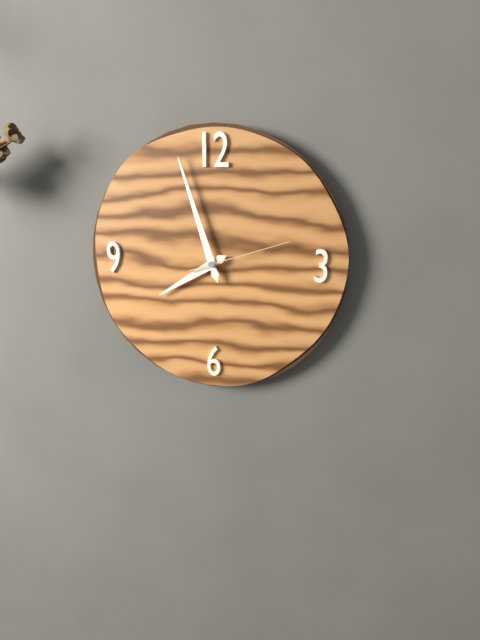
7h57m12s
